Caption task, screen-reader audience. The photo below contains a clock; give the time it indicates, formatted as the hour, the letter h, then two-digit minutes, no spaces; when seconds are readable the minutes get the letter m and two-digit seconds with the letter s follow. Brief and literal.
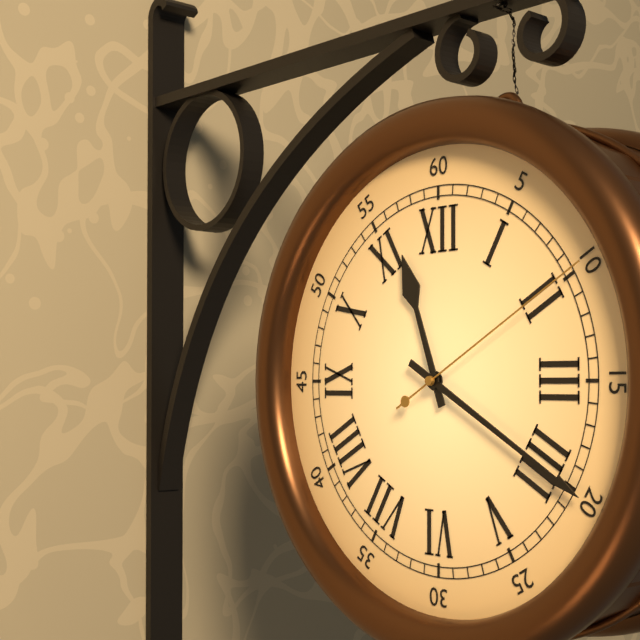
11h20m10s
